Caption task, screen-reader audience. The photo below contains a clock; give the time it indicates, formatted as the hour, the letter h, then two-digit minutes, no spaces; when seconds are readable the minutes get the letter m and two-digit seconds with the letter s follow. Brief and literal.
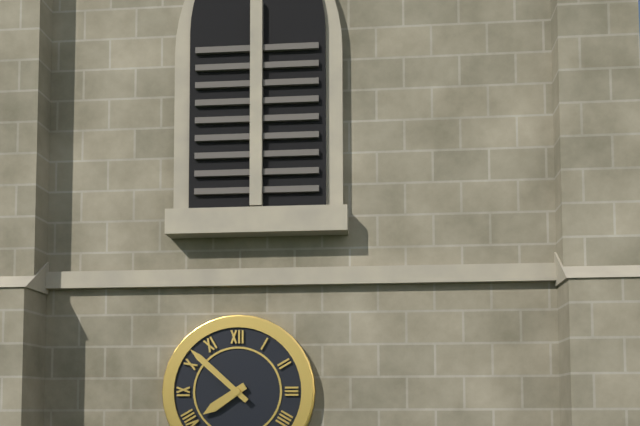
7h52
